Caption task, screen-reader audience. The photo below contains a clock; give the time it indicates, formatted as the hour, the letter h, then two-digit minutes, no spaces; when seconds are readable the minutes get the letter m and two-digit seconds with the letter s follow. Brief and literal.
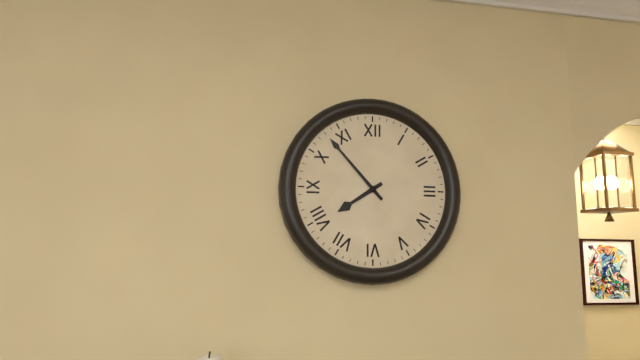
7h53
